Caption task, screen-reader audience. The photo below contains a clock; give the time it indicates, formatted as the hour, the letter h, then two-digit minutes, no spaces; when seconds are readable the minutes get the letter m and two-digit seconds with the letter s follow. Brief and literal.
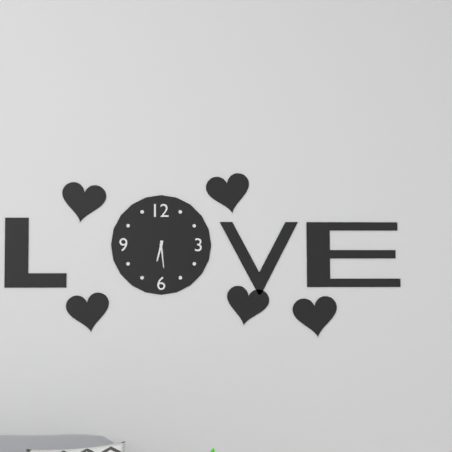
6h29
